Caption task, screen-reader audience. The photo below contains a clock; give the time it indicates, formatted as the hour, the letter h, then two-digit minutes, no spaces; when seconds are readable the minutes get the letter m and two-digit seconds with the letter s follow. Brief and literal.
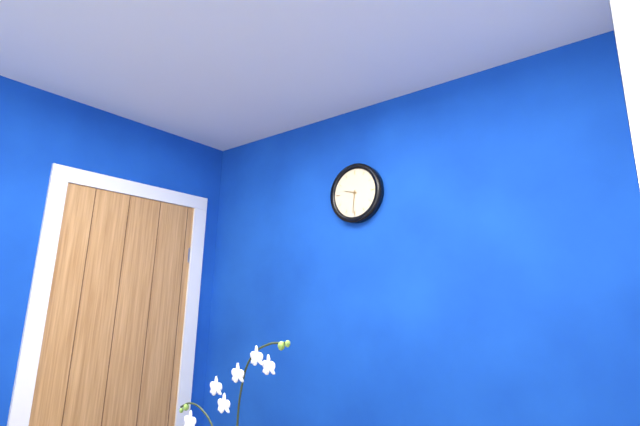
9h31
